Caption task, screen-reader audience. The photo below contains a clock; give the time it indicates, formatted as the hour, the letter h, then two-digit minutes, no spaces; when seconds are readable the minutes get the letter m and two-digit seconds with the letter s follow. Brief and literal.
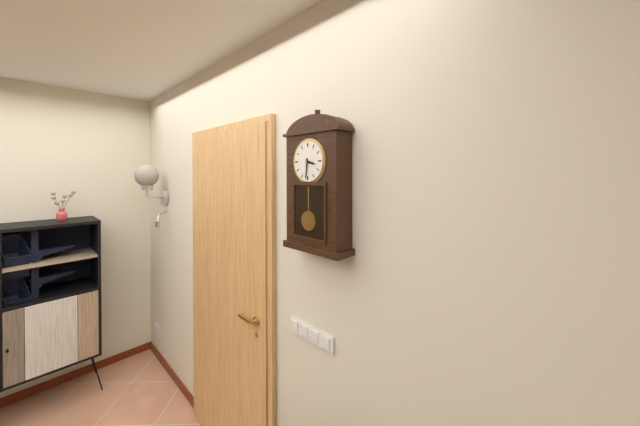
3h31
